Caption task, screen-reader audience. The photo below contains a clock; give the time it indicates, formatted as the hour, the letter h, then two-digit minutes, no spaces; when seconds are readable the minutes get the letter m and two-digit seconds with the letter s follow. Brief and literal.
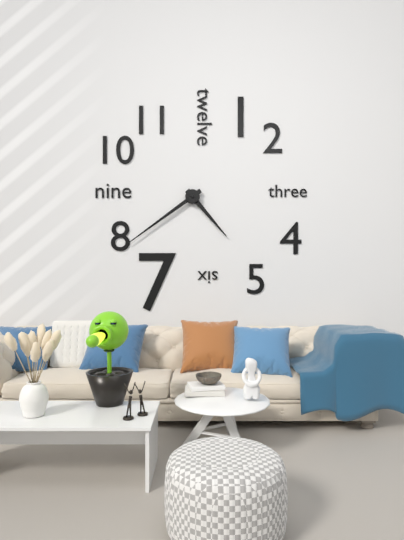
4h39
